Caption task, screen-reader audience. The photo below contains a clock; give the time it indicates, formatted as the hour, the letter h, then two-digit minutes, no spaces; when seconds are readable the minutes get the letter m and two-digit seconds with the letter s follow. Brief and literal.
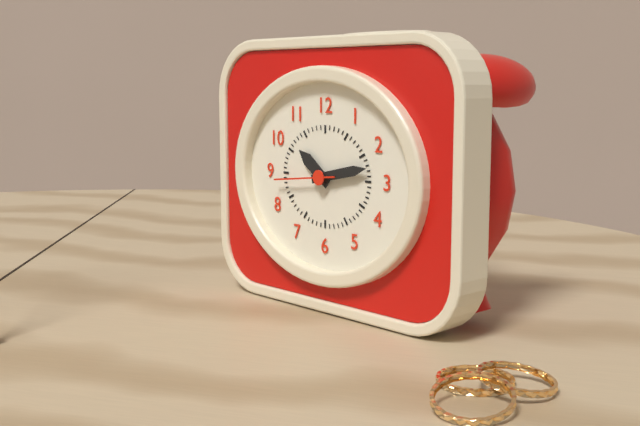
10h13m44s
